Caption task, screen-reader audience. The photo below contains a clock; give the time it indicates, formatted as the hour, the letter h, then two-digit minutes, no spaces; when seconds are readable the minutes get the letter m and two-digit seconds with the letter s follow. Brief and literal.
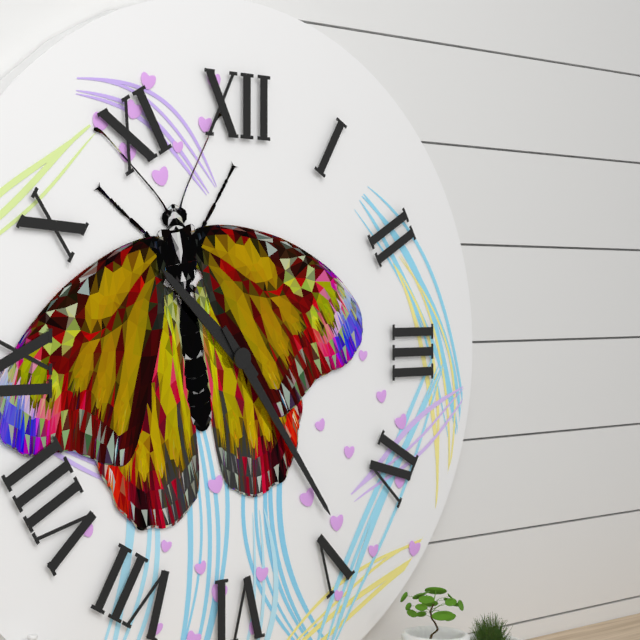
10h24
